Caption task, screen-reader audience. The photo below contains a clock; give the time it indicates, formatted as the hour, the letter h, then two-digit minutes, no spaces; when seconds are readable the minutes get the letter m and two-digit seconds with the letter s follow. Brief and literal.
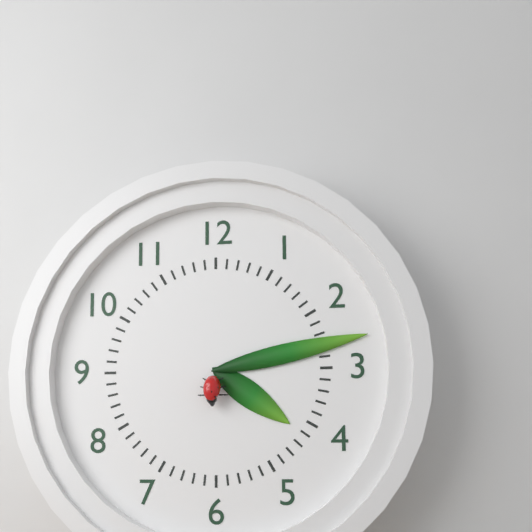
4h13
